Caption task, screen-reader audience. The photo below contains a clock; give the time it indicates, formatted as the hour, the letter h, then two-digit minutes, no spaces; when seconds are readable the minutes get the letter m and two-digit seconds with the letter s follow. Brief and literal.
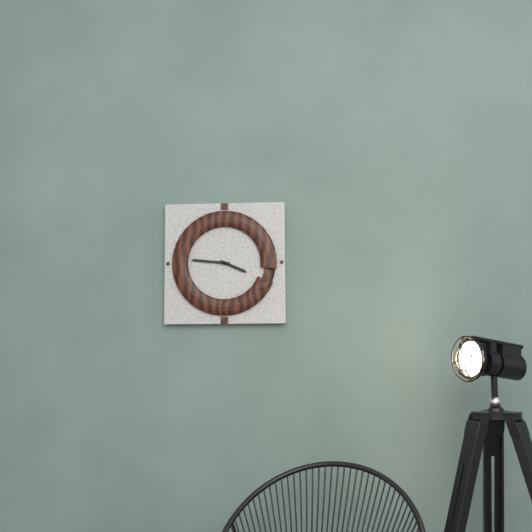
3h46
